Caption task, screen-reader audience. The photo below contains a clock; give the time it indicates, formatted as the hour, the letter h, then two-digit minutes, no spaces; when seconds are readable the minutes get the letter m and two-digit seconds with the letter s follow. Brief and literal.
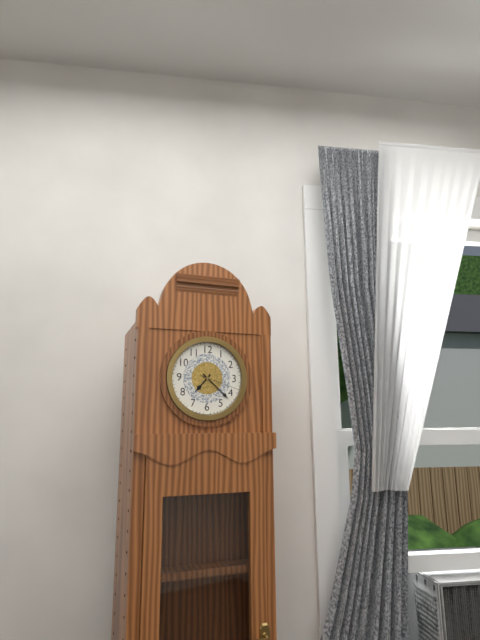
7h22
